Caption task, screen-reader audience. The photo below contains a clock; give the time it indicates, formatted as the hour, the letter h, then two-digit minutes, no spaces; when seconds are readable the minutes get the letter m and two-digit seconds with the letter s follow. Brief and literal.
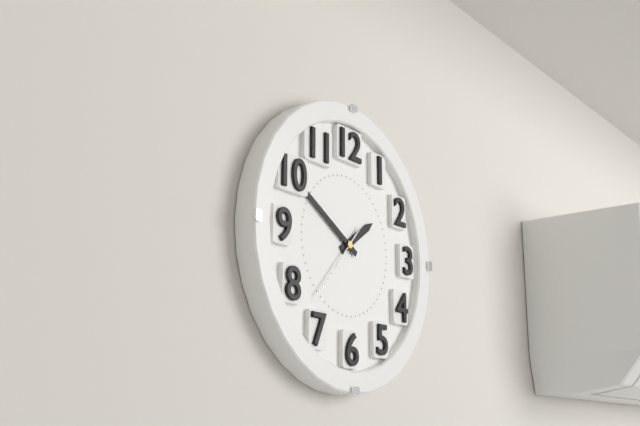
1h50m37s
